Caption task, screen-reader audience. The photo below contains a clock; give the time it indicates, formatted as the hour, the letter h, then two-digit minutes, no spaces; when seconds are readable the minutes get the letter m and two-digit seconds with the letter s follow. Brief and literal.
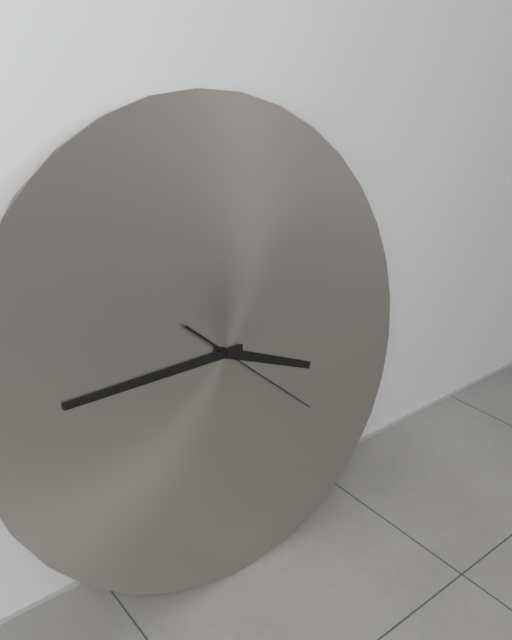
3h45m22s
